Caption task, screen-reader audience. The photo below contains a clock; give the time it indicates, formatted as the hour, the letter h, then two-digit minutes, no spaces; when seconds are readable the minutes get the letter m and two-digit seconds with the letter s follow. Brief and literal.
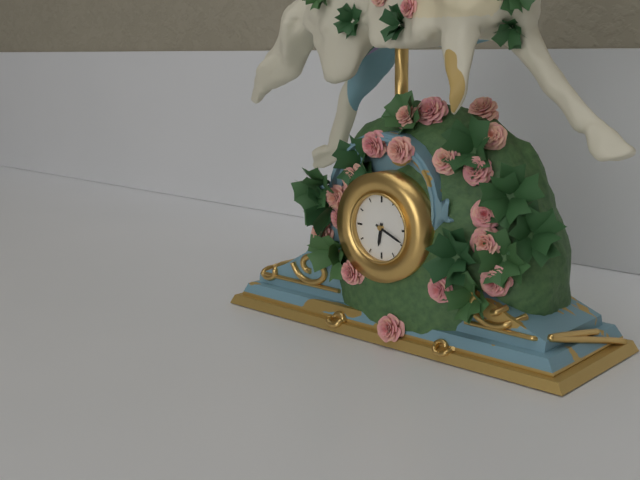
6h19
